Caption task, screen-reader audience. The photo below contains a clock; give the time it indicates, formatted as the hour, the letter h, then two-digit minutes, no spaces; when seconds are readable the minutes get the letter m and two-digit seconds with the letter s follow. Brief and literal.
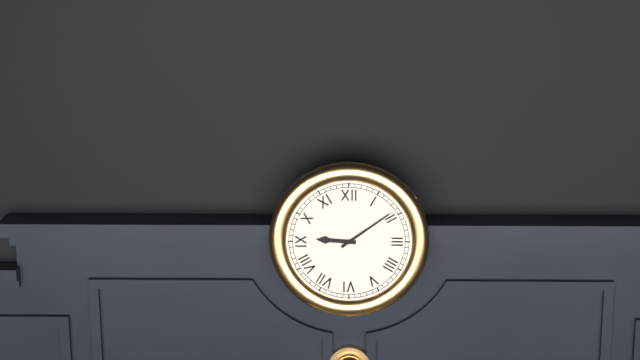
9h09
